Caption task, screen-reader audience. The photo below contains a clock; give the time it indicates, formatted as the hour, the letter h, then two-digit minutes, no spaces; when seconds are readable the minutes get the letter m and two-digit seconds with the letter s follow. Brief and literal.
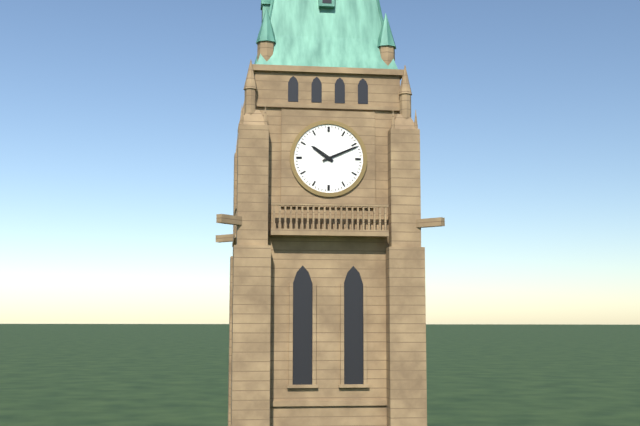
10h11
